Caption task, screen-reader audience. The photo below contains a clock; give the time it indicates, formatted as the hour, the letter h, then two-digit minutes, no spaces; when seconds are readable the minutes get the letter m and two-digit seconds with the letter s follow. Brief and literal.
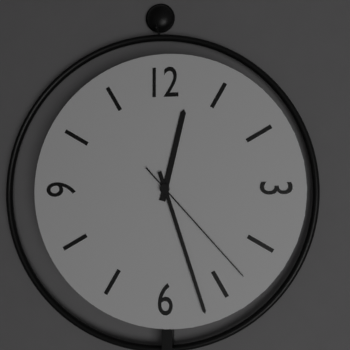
12h27m23s
